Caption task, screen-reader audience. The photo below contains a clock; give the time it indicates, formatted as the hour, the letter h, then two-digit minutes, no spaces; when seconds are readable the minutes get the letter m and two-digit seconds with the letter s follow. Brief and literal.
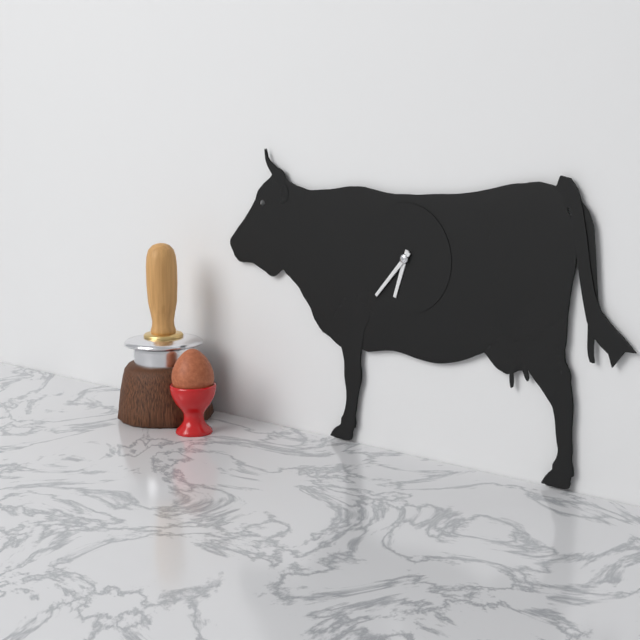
6h37
